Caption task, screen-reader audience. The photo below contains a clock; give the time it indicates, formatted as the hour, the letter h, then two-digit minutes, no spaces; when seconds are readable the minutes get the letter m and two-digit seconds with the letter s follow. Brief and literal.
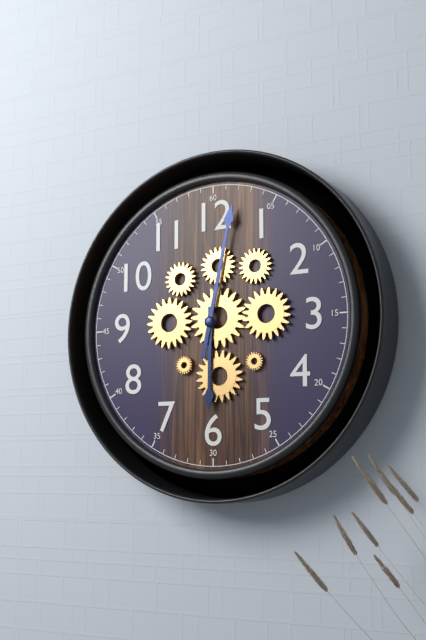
6h02
